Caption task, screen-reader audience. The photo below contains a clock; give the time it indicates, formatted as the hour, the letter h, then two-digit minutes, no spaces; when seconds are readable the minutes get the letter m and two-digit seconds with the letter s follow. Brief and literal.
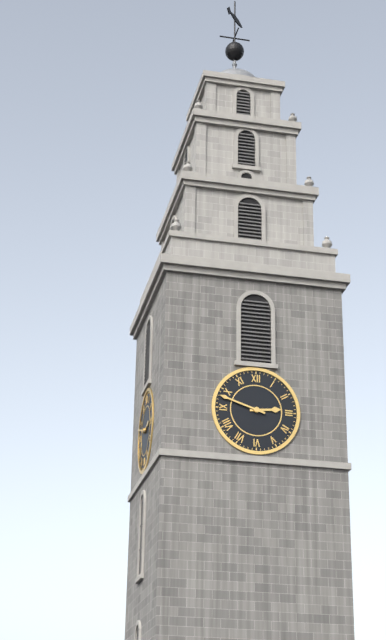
2h48
